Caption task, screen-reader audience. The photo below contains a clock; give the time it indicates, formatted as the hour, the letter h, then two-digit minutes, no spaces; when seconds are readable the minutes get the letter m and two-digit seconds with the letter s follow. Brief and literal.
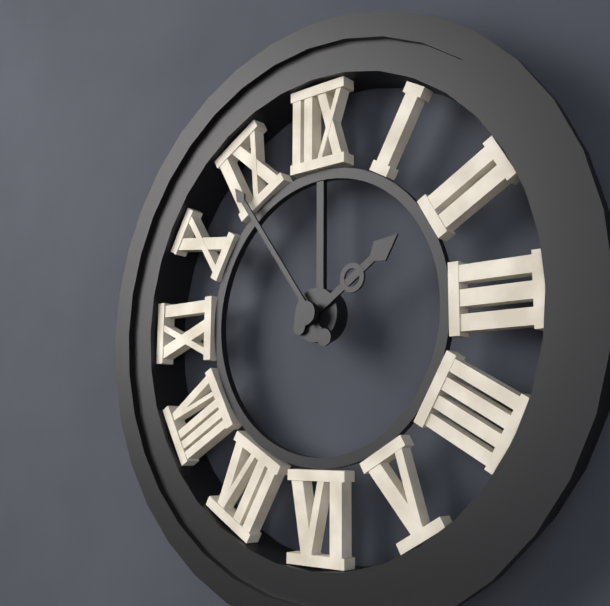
1h54
